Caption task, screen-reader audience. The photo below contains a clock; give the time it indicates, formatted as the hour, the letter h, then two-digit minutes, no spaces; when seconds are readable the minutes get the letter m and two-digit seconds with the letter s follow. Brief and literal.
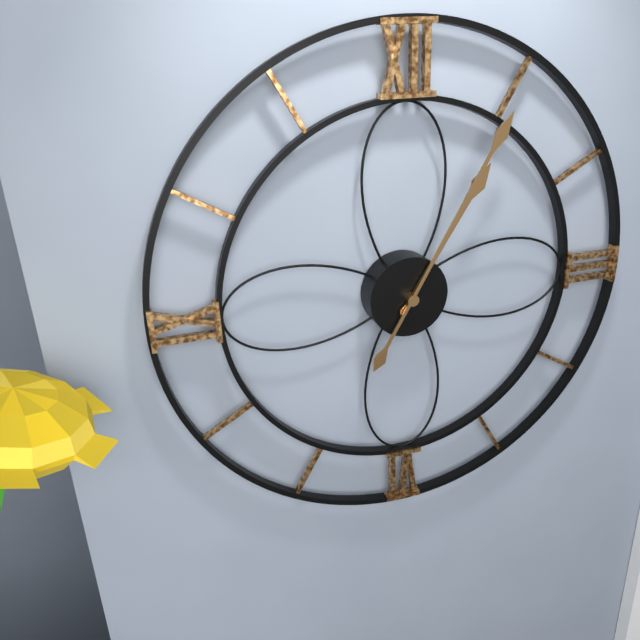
1h05
